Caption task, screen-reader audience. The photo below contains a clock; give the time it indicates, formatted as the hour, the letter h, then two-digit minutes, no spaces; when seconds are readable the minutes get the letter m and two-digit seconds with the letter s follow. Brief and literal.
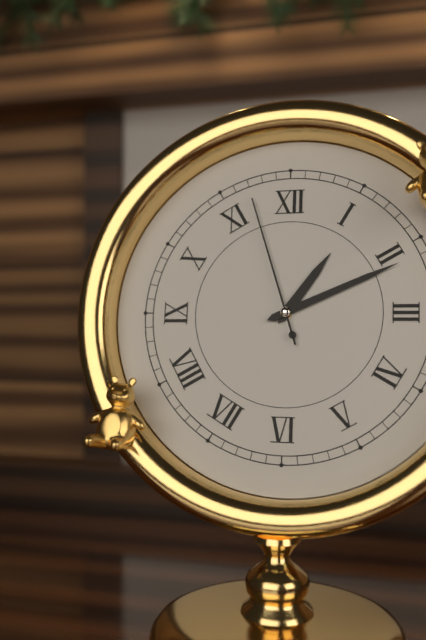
1h11m57s
